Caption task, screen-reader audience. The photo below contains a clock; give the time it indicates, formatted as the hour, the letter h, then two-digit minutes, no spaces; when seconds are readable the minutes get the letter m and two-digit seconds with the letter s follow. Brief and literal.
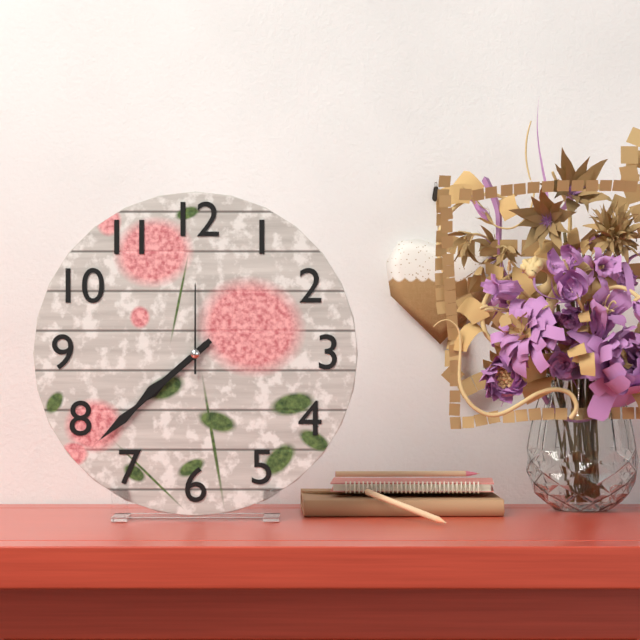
7h38m00s
